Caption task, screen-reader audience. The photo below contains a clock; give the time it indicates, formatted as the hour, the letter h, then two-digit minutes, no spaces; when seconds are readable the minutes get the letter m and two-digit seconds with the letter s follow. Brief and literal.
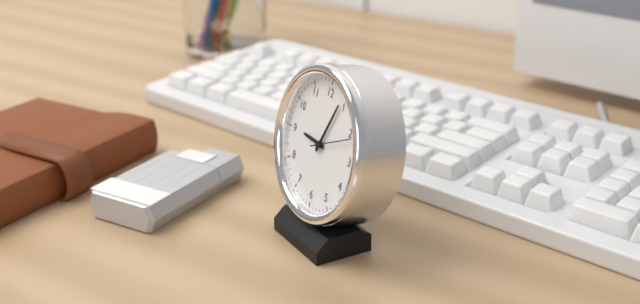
9h04
